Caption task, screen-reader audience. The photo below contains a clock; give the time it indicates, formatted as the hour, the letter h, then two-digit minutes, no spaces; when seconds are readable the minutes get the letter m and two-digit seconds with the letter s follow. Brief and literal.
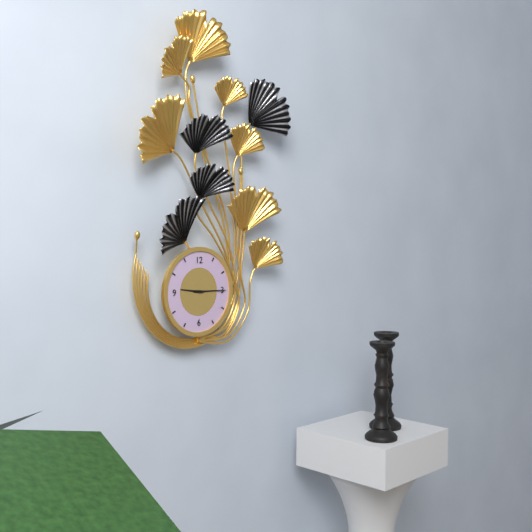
9h15
